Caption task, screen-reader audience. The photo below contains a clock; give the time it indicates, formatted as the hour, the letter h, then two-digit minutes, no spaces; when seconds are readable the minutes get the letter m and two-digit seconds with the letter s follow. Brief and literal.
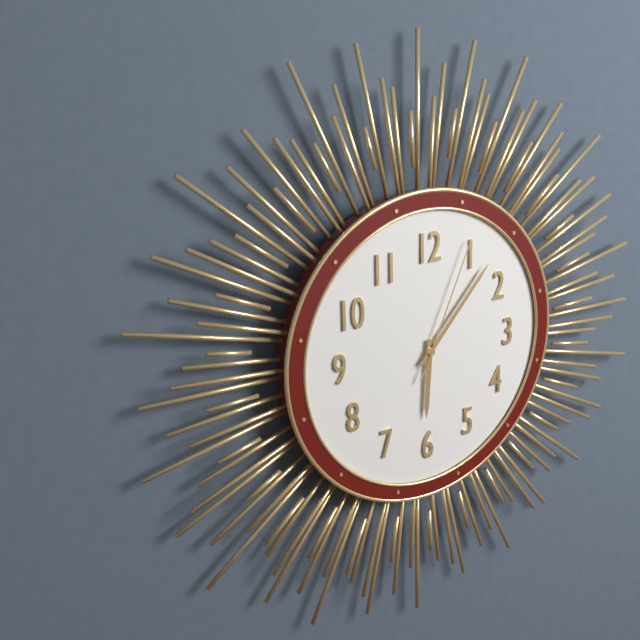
6h07m04s
